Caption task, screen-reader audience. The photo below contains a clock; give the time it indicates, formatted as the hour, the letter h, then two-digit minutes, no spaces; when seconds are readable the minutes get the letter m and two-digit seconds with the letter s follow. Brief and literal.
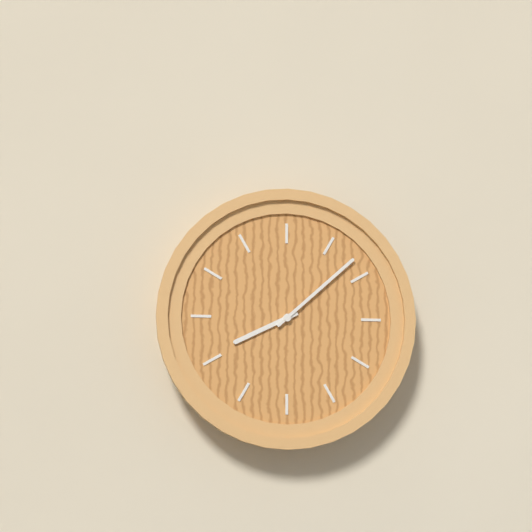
8h08
